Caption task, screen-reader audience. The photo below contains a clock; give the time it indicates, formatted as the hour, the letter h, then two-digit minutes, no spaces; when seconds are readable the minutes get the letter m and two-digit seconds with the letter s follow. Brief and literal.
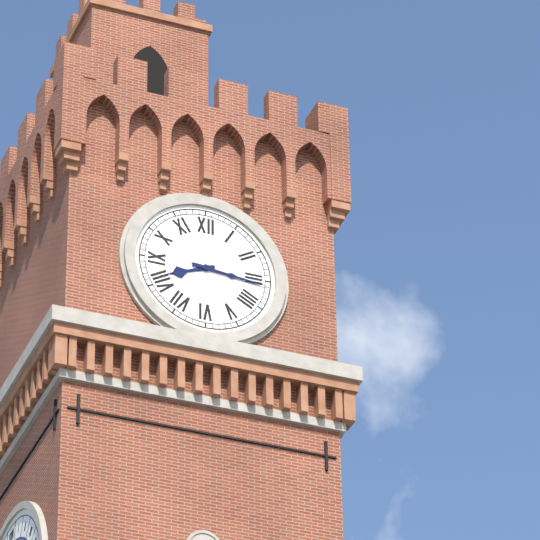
8h16
